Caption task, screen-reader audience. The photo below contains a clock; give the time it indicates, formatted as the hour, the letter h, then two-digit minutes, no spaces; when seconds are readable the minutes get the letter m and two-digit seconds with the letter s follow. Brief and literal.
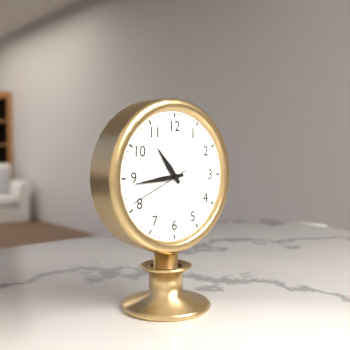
10h44m41s
